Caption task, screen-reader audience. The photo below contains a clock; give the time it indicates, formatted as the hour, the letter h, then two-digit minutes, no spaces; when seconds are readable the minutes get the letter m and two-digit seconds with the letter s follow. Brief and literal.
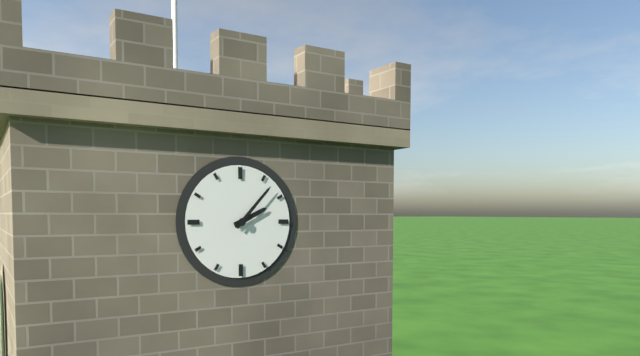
2h07
